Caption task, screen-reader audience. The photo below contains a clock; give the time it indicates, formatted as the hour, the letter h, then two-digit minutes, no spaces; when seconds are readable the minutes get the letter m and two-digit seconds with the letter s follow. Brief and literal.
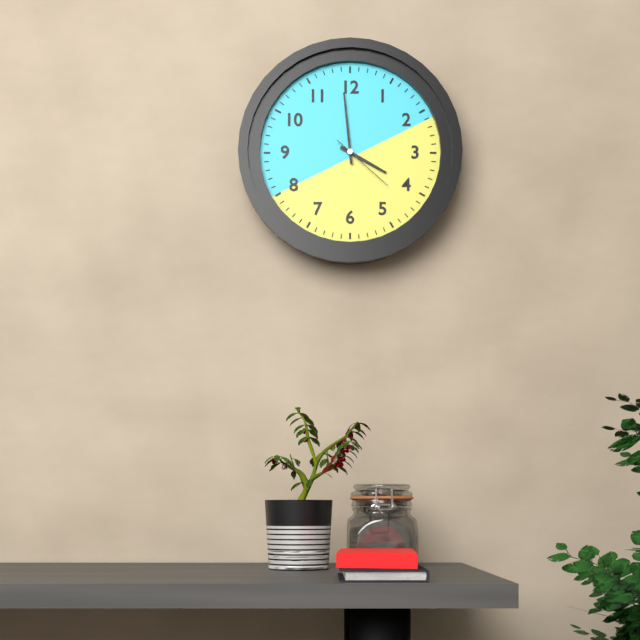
3h59m22s
